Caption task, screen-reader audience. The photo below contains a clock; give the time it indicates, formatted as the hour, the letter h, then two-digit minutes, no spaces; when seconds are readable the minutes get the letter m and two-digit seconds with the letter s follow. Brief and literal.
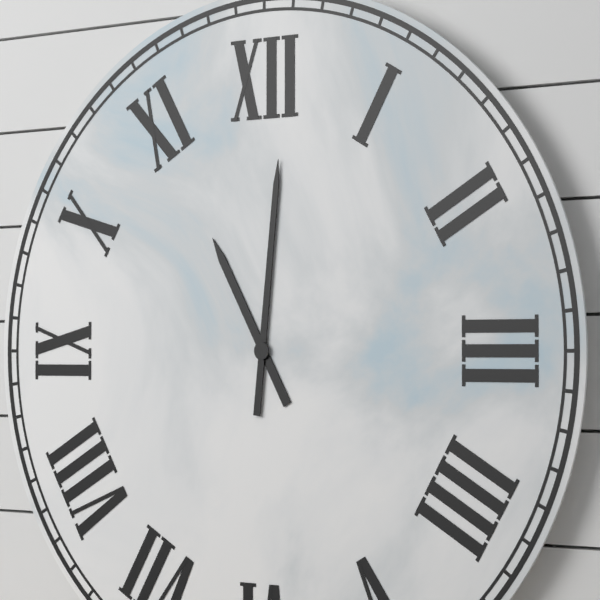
11h01
